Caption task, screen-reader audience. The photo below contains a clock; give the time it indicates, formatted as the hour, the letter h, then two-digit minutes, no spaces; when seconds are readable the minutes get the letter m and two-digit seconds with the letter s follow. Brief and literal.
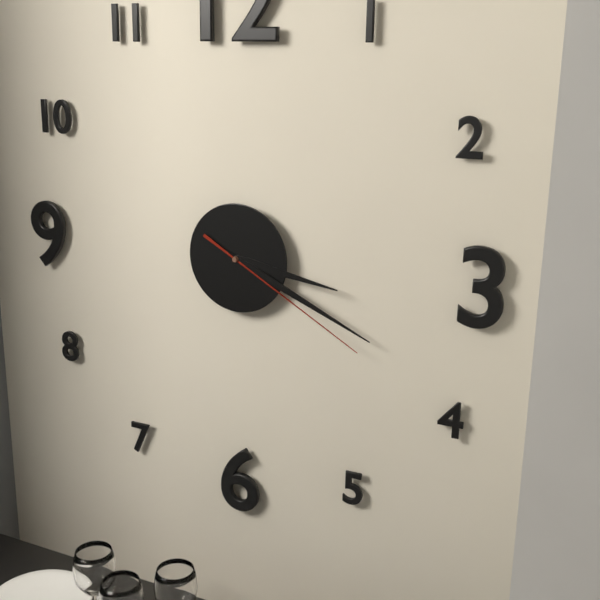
3h19m20s
